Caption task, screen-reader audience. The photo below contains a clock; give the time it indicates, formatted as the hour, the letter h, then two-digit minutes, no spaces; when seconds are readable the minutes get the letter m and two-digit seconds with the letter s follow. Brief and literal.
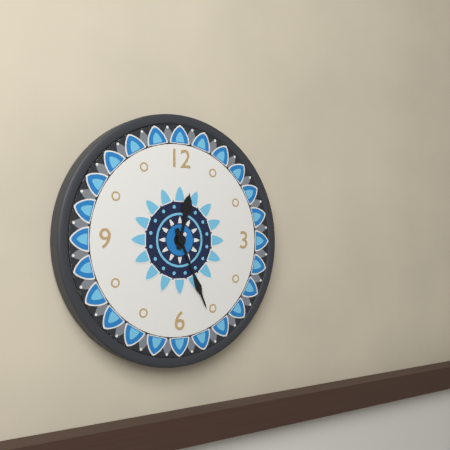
12h26
